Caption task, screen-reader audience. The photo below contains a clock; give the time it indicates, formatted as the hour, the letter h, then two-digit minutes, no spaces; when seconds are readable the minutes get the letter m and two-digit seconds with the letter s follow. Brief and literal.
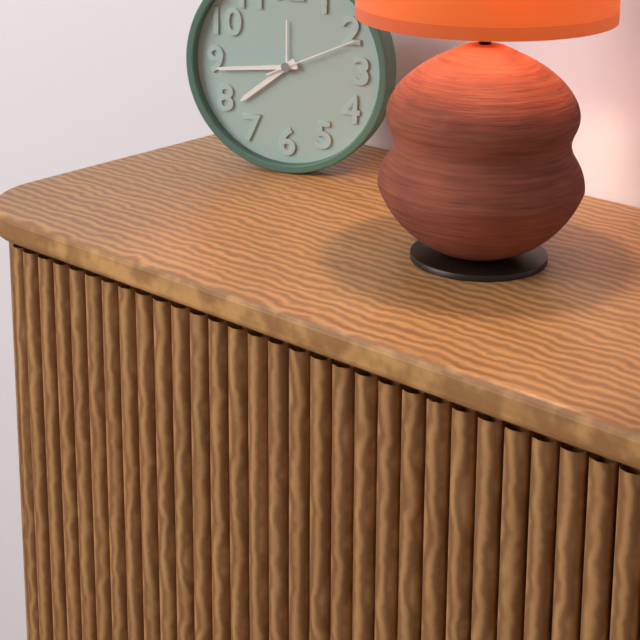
7h44m11s
